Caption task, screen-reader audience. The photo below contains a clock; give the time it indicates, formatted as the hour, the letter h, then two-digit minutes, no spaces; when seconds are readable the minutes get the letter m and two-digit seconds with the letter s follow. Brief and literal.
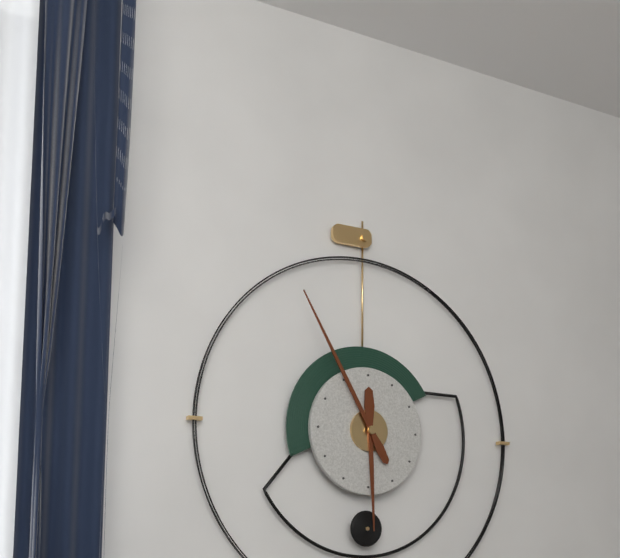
5h55
